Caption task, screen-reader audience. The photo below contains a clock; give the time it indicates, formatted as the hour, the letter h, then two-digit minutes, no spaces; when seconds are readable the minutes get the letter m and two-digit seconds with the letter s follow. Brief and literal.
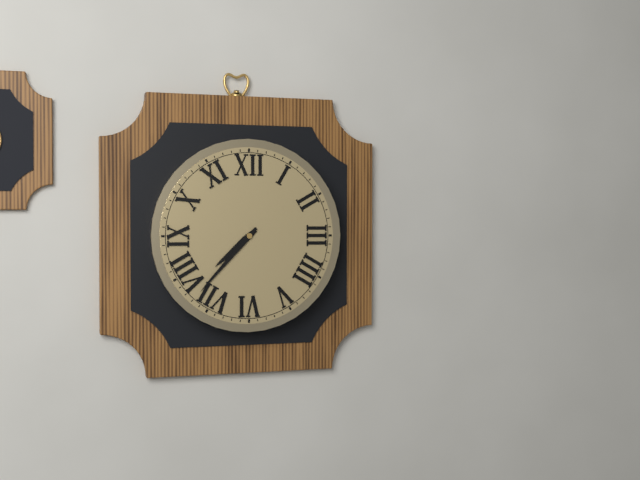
7h37
